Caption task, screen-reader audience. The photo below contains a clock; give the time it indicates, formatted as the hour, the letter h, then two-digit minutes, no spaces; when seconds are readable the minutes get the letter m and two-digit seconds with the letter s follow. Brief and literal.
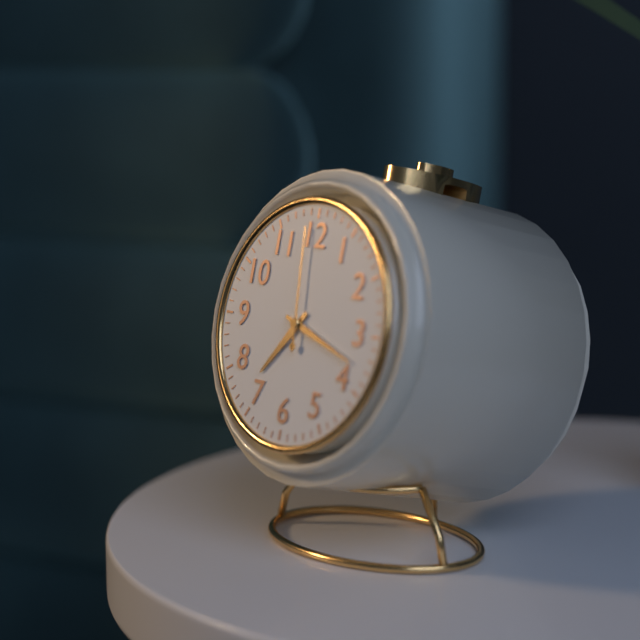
7h18m59s
